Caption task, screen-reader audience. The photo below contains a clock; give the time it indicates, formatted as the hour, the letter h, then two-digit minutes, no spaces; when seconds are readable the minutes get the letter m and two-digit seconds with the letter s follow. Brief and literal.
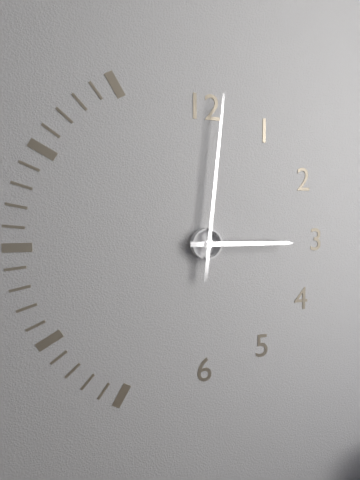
3h01
